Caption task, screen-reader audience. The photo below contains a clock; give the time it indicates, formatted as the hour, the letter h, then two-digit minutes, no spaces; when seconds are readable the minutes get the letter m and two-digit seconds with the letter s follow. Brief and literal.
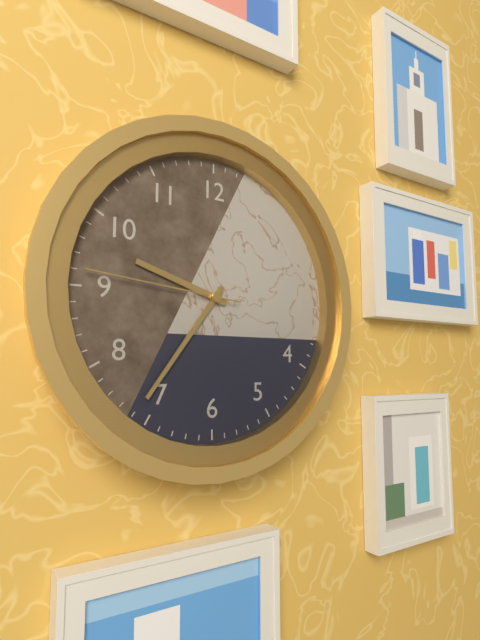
9h36m46s
